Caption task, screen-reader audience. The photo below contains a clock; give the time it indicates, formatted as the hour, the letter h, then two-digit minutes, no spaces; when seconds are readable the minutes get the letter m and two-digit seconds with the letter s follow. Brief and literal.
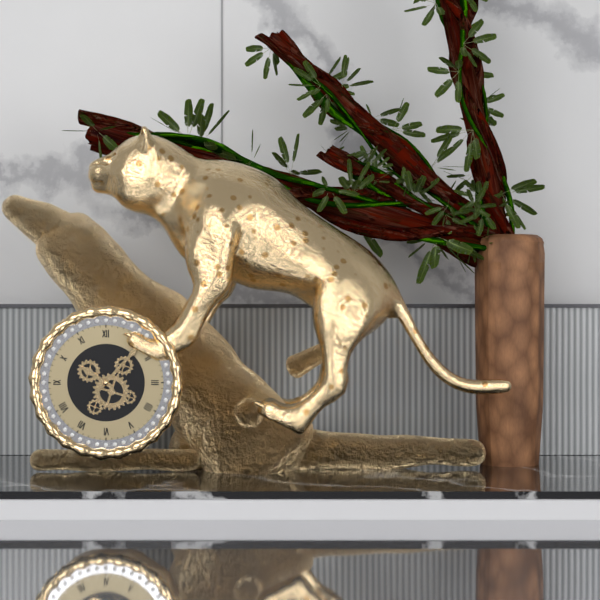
10h07
